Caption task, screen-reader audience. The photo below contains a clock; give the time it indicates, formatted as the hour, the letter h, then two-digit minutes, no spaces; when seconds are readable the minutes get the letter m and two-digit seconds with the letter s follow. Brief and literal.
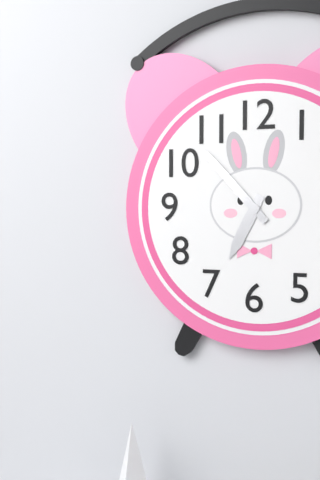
6h53
